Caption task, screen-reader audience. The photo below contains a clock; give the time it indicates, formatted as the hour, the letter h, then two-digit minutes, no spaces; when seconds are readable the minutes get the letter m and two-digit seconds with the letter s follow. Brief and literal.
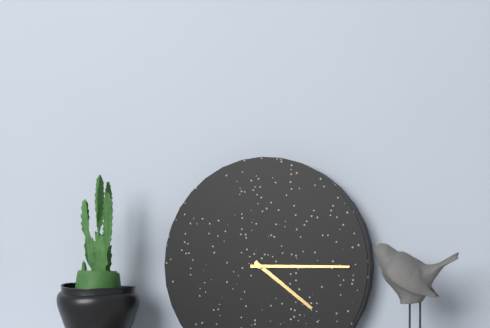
4h15
